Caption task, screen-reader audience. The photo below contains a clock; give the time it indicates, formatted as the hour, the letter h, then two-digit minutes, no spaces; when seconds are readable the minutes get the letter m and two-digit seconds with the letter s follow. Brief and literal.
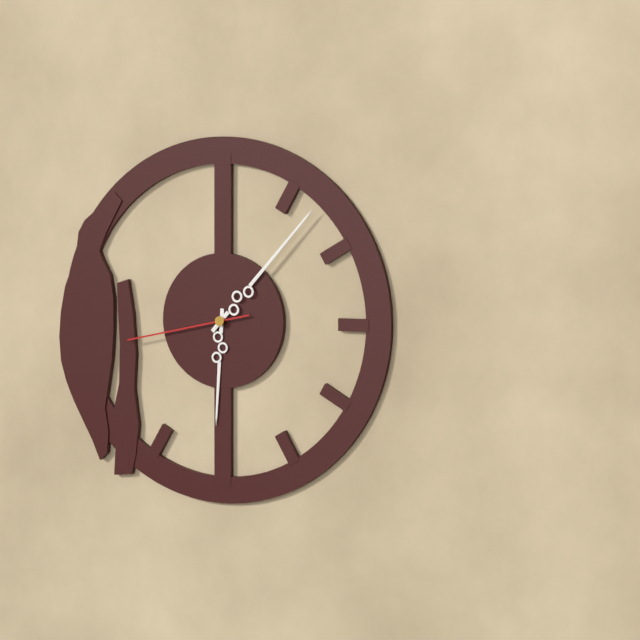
6h07m43s
